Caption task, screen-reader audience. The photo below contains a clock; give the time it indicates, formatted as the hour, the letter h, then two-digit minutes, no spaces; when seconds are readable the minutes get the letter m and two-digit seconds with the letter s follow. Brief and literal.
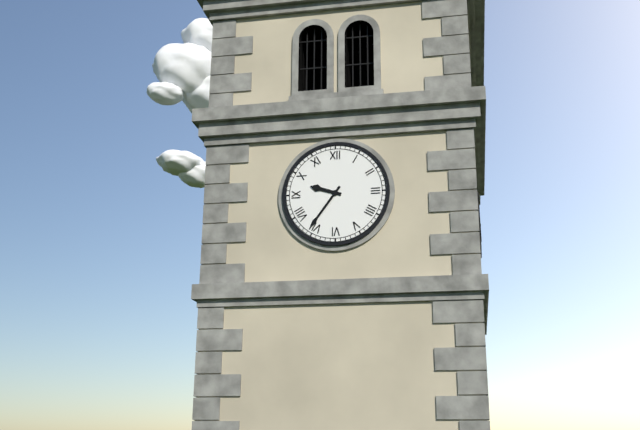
9h36
